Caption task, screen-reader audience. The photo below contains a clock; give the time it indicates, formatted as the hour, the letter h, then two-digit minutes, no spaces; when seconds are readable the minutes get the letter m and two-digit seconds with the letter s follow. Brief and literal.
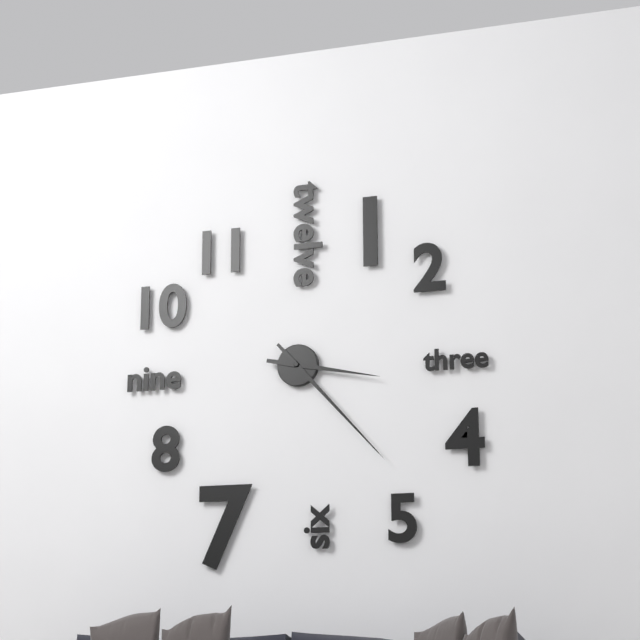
3h23
